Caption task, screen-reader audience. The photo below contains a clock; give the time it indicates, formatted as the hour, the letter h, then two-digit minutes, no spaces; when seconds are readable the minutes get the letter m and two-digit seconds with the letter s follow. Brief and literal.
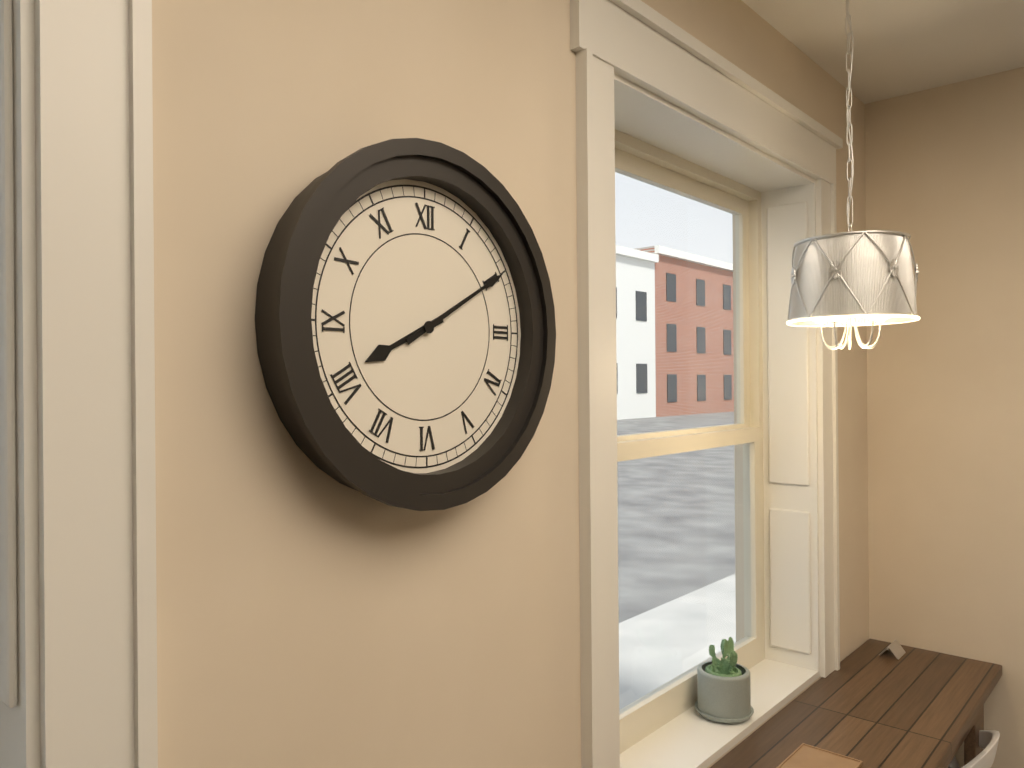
8h10
